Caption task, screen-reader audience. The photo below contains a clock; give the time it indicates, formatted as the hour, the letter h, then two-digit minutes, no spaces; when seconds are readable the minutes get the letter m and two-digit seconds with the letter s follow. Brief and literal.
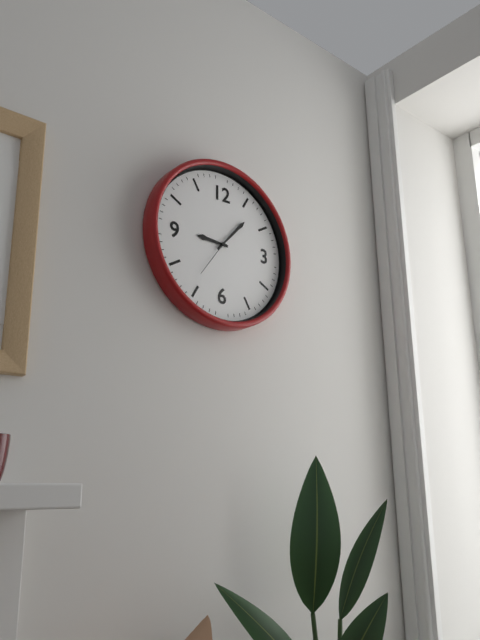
9h07
